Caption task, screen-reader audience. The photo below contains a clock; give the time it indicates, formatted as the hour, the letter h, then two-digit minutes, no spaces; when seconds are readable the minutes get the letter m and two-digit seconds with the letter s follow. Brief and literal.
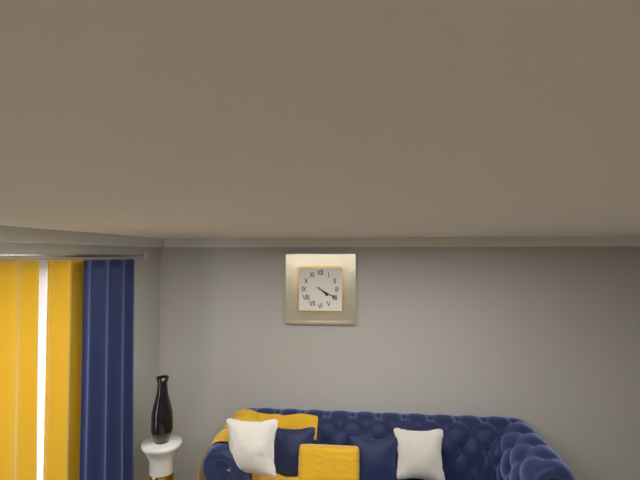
4h20
